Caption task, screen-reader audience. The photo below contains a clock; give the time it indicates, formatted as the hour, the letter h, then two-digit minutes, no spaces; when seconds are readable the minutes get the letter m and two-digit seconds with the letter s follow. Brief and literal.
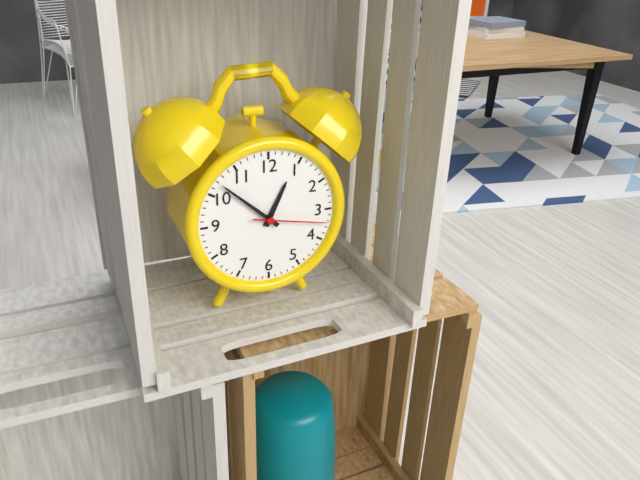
12h52m17s
